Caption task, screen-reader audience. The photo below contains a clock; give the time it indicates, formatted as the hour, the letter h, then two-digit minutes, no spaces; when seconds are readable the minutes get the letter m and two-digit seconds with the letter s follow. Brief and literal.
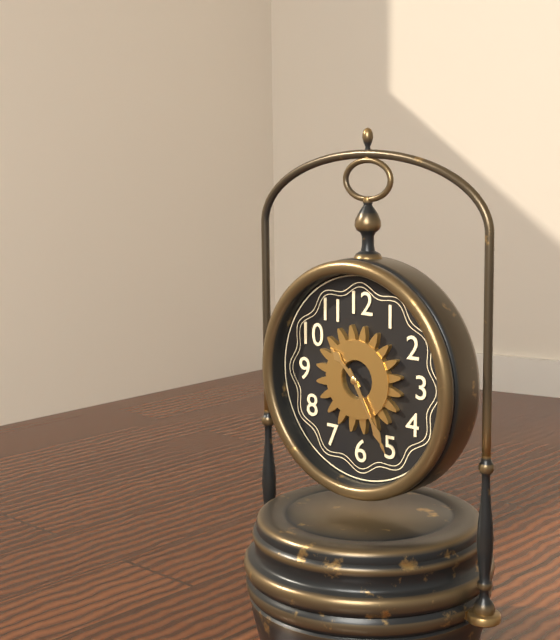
10h25
